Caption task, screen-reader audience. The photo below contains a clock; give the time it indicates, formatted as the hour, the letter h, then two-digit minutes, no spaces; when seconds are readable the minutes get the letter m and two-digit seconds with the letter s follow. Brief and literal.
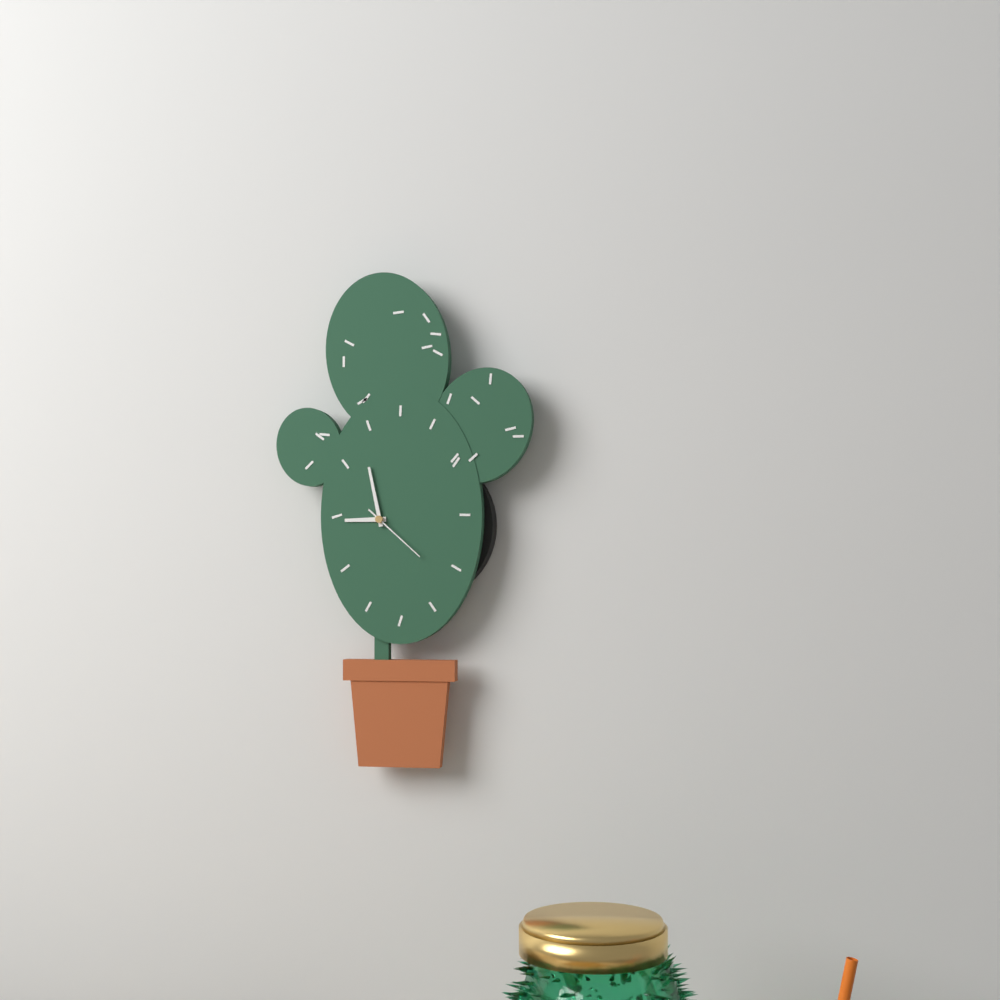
8h58m22s
